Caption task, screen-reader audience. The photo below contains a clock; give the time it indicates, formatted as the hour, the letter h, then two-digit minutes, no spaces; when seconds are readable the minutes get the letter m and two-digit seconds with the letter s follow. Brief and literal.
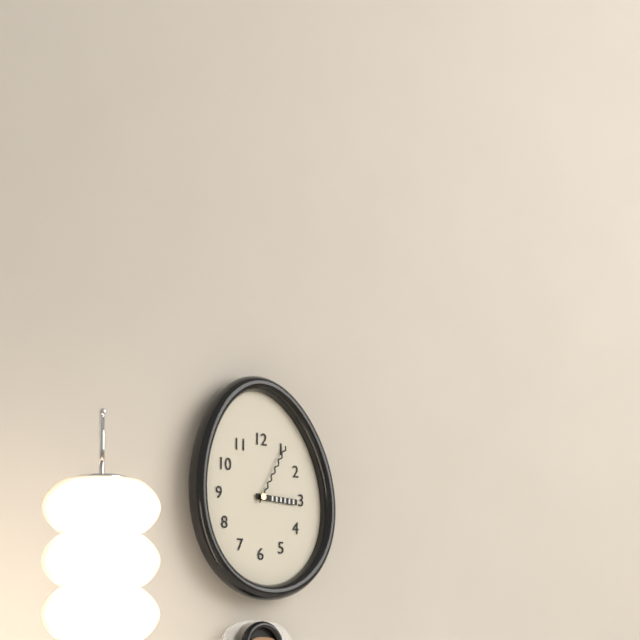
3h05
